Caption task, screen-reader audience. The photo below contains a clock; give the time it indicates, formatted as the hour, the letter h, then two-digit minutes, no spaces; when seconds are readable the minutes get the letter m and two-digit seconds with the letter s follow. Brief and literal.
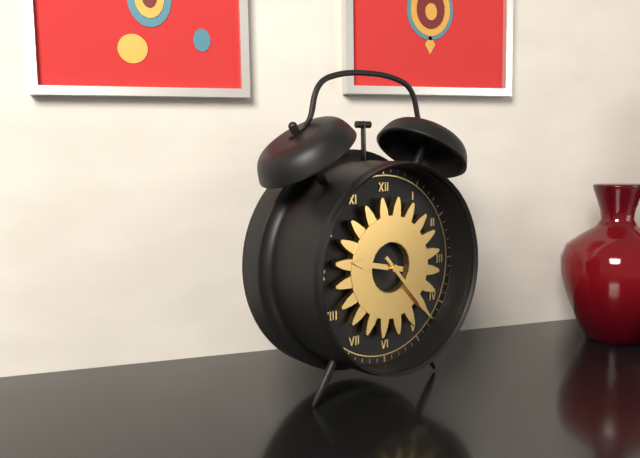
9h23
